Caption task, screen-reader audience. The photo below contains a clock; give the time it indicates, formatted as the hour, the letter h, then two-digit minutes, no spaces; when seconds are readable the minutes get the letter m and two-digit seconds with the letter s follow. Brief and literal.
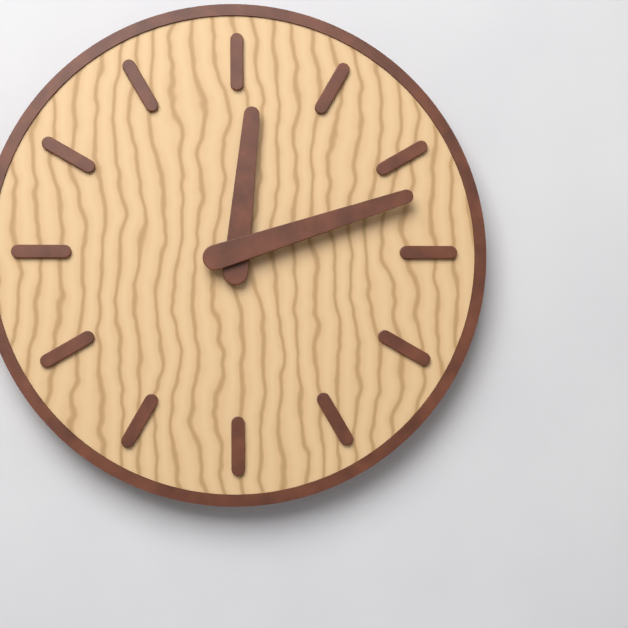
12h12
